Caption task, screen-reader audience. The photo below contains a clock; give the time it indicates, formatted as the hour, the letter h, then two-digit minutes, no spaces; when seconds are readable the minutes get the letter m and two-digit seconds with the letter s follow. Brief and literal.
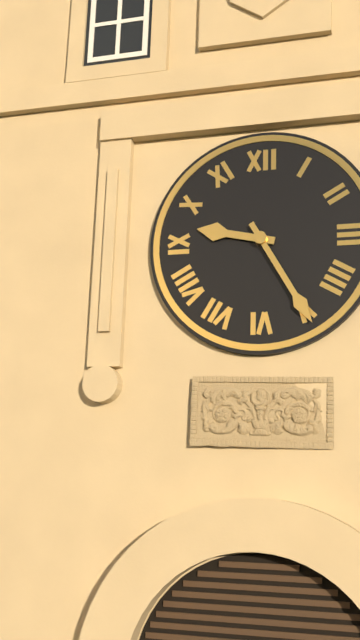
9h25
